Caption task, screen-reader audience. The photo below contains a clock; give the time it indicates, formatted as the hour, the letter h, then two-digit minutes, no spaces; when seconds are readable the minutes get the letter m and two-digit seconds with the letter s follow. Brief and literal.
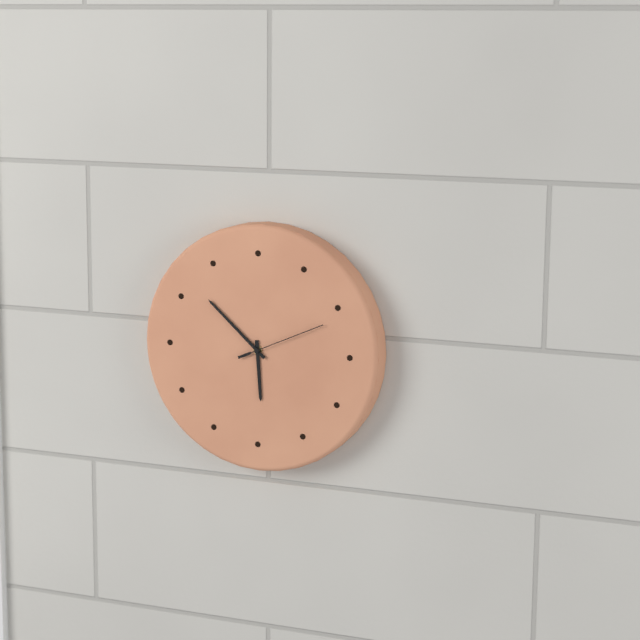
5h52m11s
